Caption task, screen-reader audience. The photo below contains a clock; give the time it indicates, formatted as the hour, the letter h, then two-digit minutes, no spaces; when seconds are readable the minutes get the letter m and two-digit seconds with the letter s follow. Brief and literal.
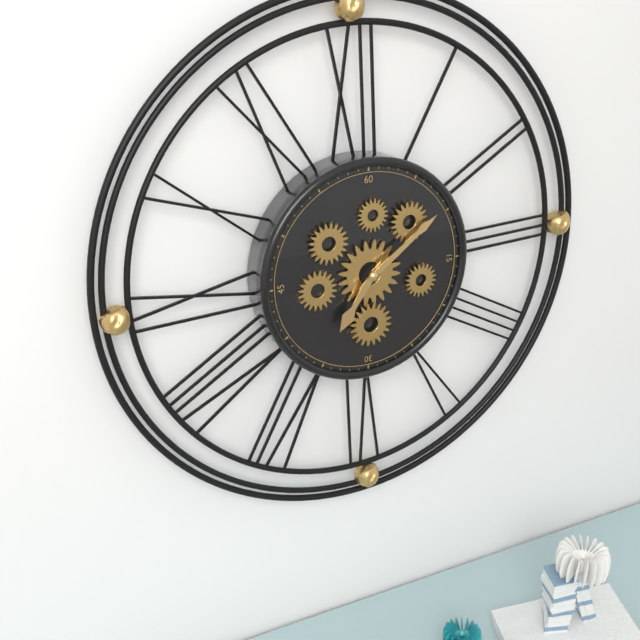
7h09
